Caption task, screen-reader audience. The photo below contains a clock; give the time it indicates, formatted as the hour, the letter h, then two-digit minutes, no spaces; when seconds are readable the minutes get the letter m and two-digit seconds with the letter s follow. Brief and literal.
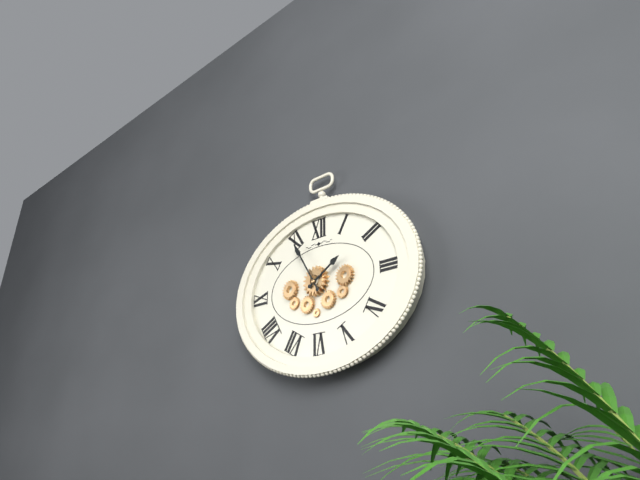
1h55
